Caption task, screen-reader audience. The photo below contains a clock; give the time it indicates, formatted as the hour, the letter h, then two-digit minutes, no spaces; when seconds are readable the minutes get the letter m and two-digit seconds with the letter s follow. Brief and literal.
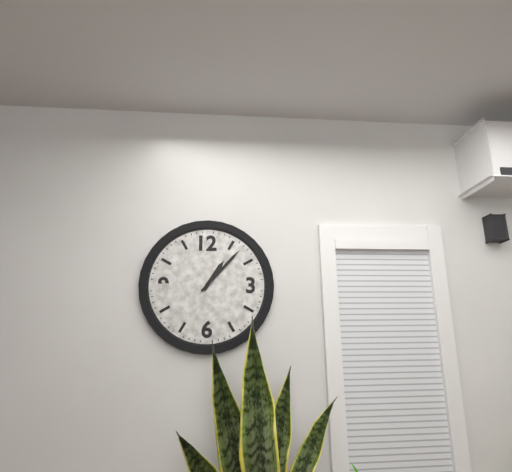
1h07
